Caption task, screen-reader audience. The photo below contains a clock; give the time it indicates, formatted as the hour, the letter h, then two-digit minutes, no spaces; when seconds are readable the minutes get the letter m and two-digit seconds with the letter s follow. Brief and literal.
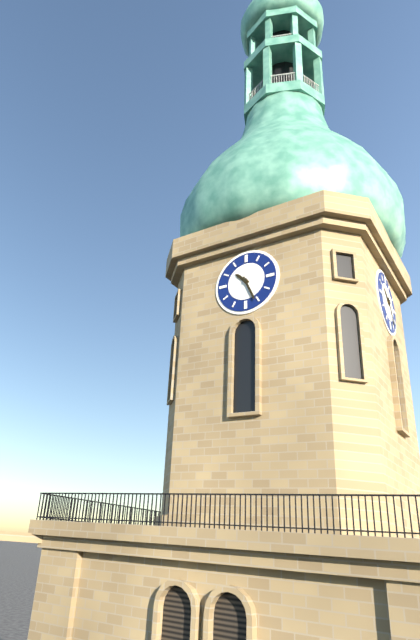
10h26
